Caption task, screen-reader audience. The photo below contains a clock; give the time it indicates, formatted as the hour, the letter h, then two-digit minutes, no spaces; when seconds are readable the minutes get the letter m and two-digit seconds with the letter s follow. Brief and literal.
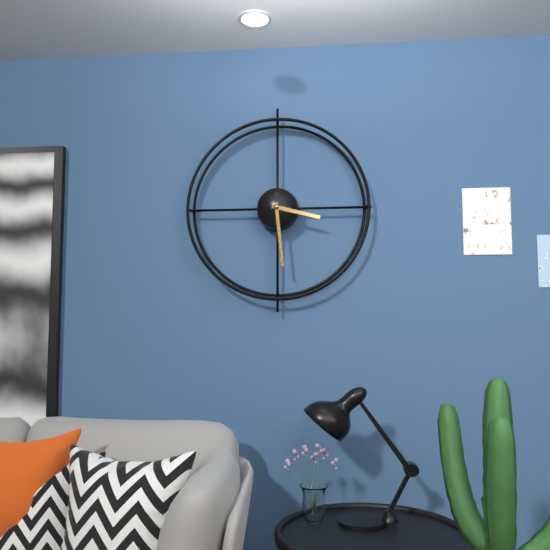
3h29
